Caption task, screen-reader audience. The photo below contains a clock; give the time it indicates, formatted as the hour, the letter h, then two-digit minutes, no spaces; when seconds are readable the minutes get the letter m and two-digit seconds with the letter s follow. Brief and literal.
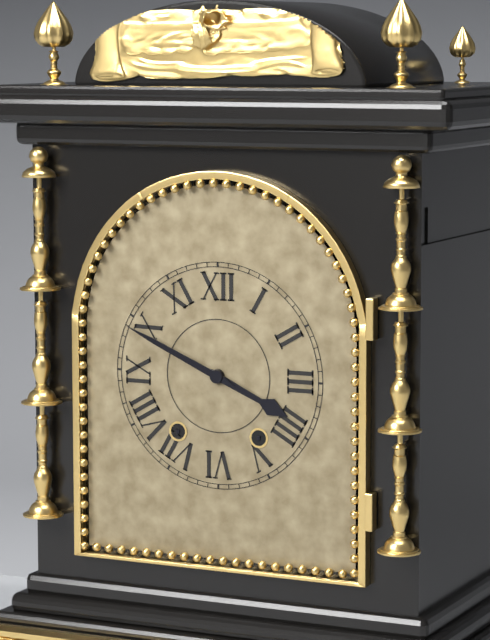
3h49
